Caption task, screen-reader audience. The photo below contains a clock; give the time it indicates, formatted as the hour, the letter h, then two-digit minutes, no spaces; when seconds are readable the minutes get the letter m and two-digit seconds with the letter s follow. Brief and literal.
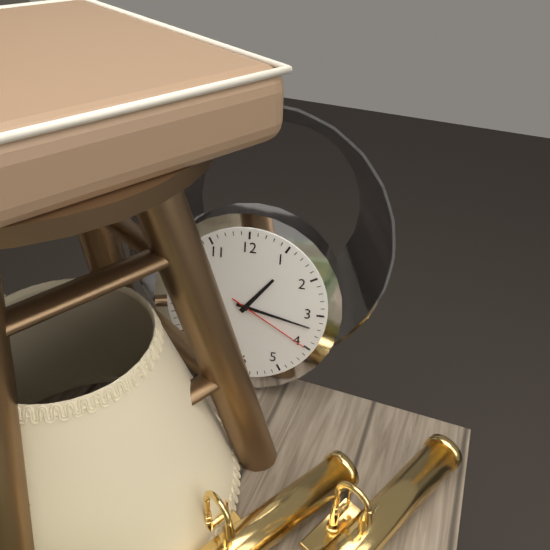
1h17m20s
